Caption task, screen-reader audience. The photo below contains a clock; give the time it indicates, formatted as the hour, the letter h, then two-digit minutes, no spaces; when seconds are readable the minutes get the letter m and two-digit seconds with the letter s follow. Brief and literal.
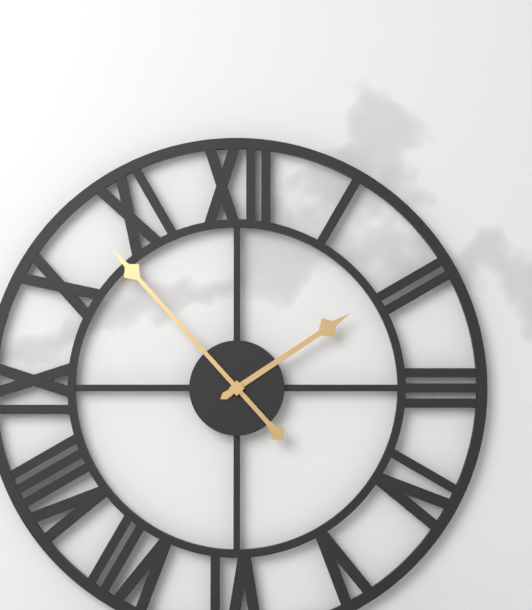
1h53
